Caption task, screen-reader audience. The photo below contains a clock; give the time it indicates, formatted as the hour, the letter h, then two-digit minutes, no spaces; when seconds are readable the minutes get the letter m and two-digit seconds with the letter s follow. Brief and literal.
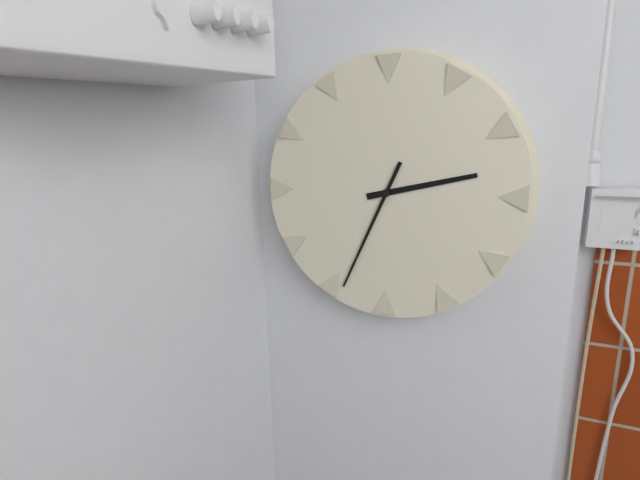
2h34
